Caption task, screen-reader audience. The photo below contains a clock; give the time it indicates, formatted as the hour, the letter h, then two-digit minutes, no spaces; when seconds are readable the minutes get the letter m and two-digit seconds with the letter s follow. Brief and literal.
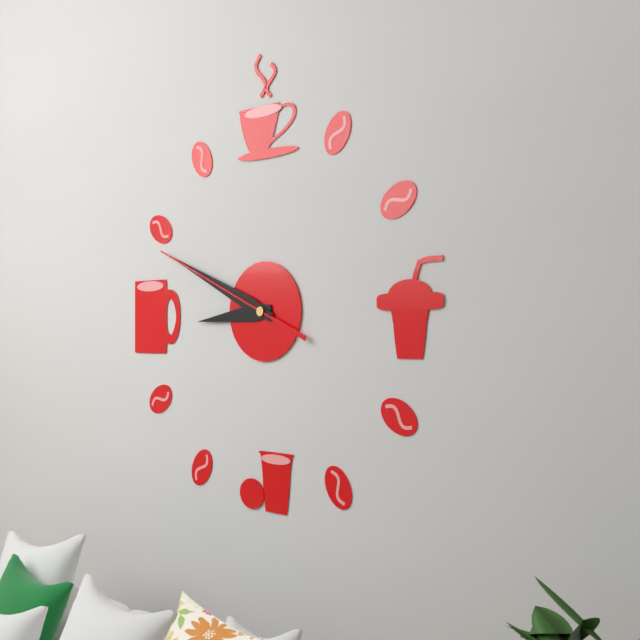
8h49m49s
